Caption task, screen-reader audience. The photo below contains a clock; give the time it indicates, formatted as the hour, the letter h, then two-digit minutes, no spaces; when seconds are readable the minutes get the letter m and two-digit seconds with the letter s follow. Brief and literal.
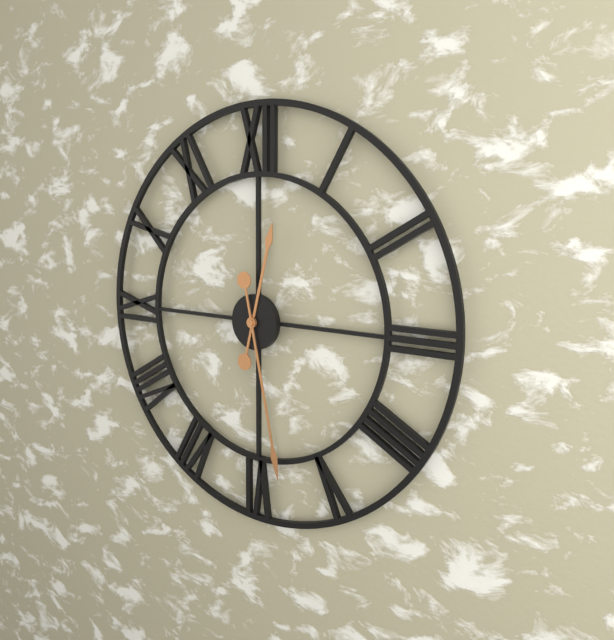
12h28
